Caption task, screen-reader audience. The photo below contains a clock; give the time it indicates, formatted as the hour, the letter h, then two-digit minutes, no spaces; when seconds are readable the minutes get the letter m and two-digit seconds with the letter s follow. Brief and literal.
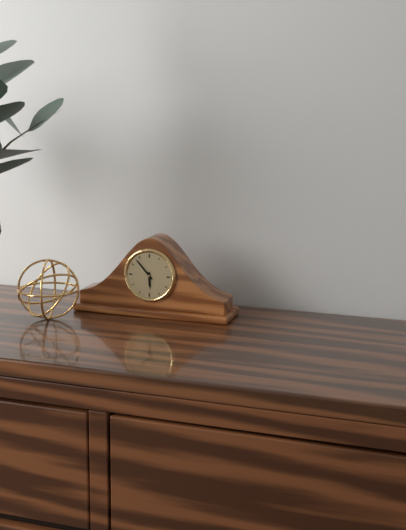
5h53
